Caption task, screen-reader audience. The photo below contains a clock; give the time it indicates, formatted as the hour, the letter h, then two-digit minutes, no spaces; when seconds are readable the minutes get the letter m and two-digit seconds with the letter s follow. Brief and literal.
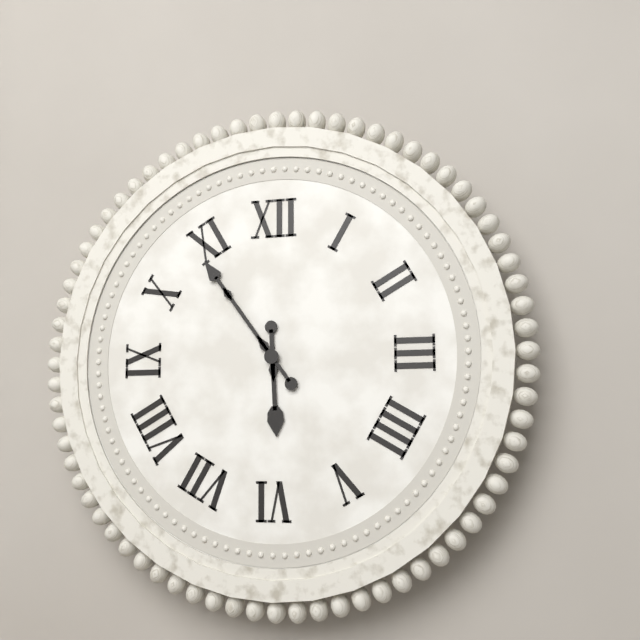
5h54
